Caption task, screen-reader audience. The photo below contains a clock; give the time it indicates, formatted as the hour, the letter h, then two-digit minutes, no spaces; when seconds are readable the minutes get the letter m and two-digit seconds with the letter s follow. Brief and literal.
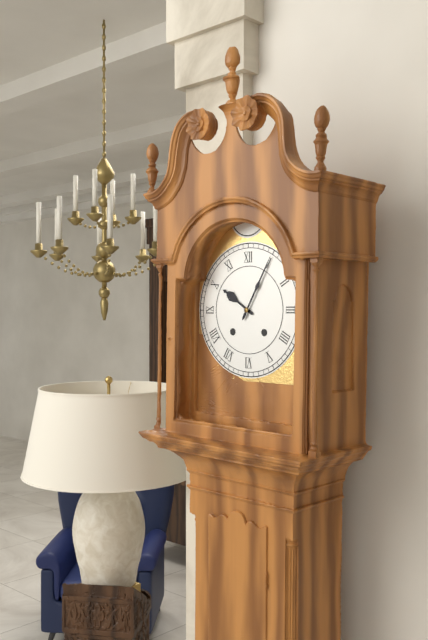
10h05
